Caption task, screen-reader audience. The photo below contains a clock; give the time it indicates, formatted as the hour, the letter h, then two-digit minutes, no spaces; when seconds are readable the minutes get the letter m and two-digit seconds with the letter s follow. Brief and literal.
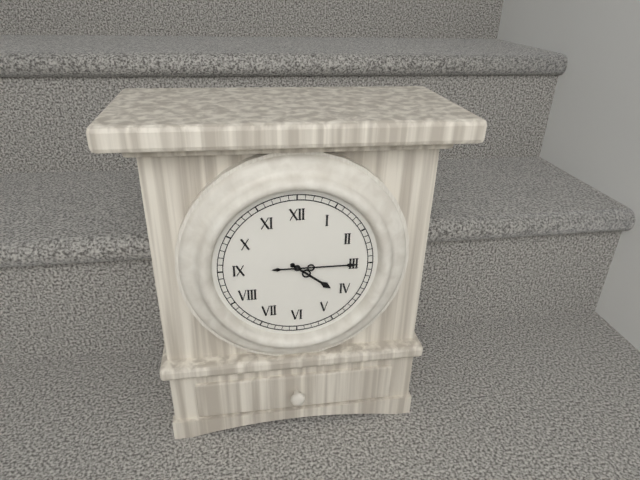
4h15
